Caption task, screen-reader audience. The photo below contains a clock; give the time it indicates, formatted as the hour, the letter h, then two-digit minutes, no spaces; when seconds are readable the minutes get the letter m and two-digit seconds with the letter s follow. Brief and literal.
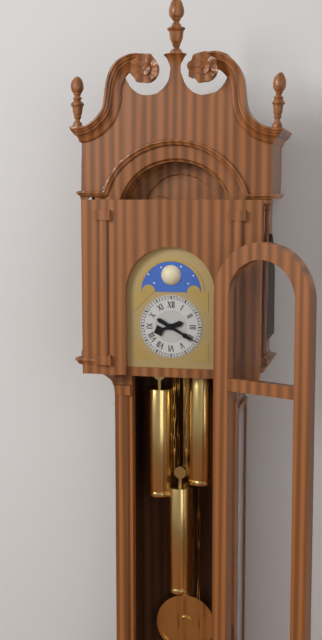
8h20
